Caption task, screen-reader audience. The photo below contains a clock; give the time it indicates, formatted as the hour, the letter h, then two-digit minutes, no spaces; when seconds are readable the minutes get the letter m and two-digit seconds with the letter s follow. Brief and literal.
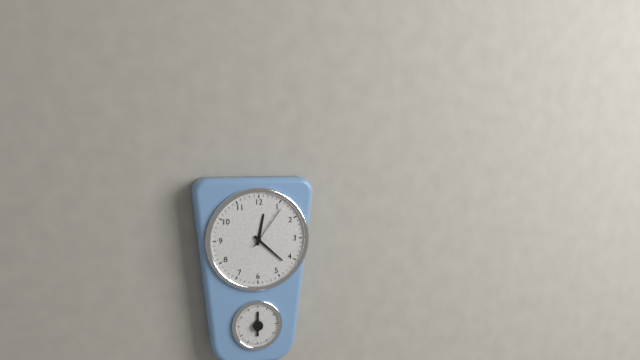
12h22
